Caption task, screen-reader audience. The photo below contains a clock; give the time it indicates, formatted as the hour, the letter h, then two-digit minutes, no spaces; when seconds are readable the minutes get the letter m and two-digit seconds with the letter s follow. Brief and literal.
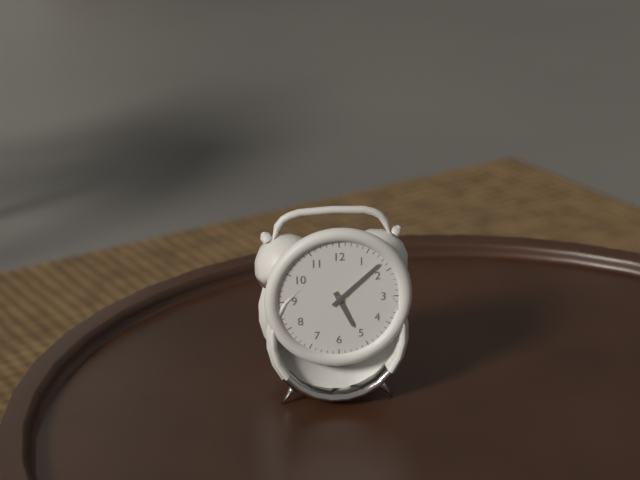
5h08
